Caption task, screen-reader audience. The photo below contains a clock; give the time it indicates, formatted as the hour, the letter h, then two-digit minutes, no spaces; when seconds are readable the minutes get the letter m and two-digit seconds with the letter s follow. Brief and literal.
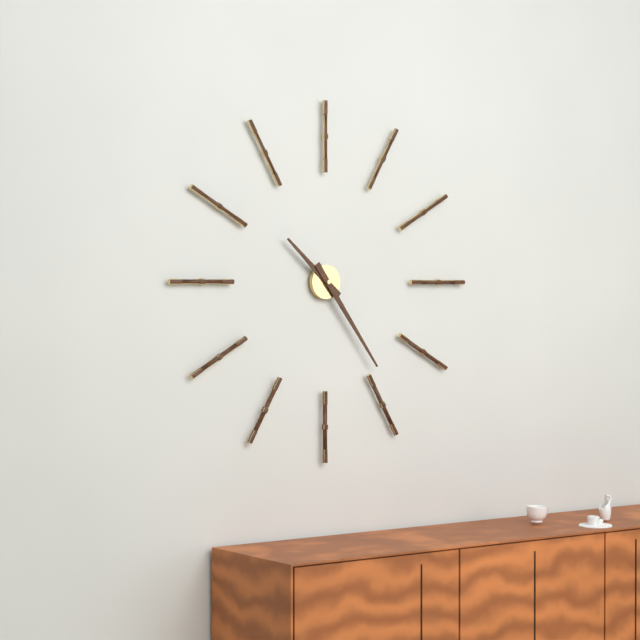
10h24
